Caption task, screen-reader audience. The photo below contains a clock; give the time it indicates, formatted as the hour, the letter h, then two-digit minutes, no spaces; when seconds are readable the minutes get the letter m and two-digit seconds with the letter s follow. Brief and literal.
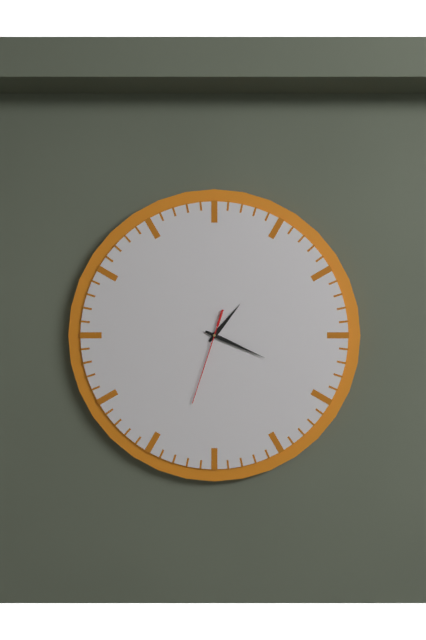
1h19m33s
